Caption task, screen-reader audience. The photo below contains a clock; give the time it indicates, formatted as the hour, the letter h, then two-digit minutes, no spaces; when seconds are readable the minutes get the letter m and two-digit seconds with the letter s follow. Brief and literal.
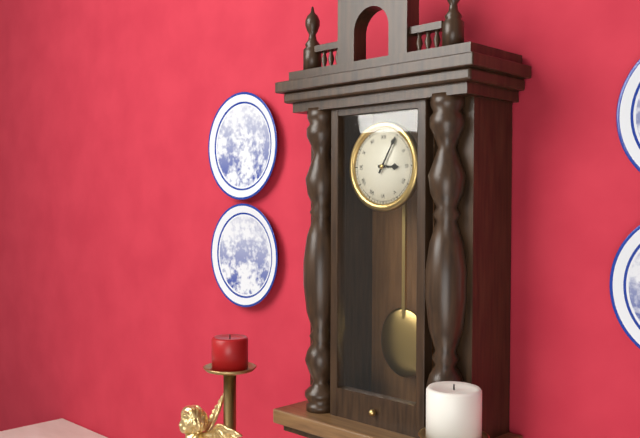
3h05
